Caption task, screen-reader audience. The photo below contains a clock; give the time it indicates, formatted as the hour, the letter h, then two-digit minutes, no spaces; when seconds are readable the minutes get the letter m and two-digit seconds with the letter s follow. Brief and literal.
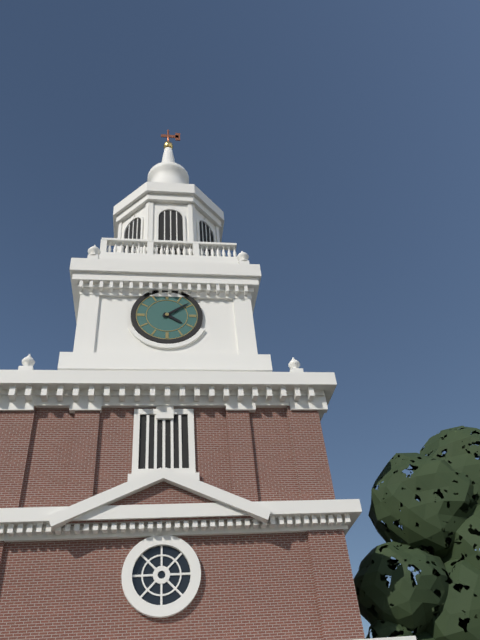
4h09
